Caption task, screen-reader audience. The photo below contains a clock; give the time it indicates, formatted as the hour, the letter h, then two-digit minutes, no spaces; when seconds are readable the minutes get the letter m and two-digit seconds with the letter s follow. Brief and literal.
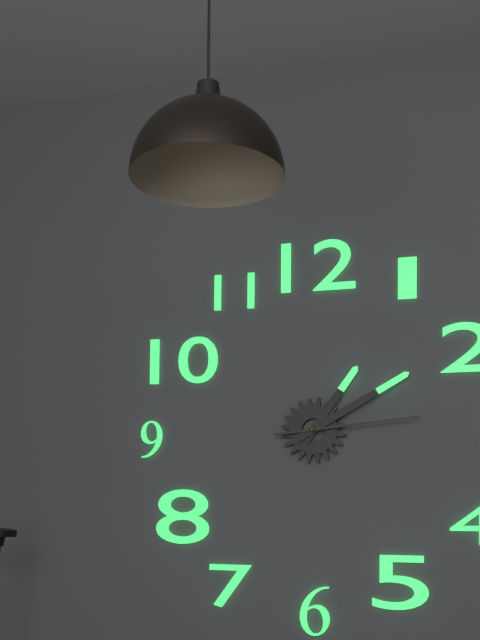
1h10m14s
